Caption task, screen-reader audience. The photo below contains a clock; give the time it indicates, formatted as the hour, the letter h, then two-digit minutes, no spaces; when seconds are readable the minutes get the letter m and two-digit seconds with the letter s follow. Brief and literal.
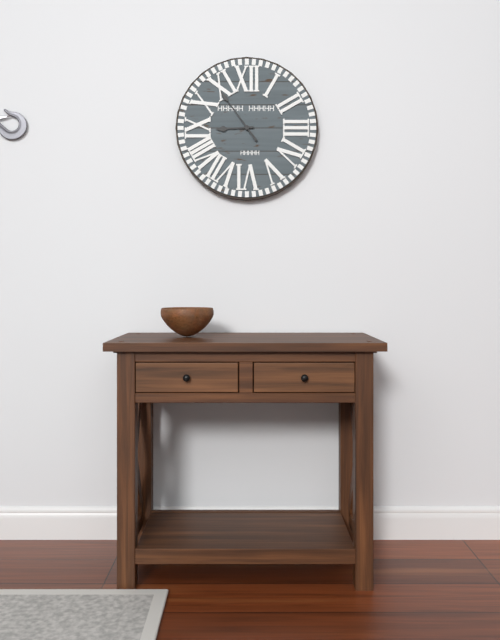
8h54
